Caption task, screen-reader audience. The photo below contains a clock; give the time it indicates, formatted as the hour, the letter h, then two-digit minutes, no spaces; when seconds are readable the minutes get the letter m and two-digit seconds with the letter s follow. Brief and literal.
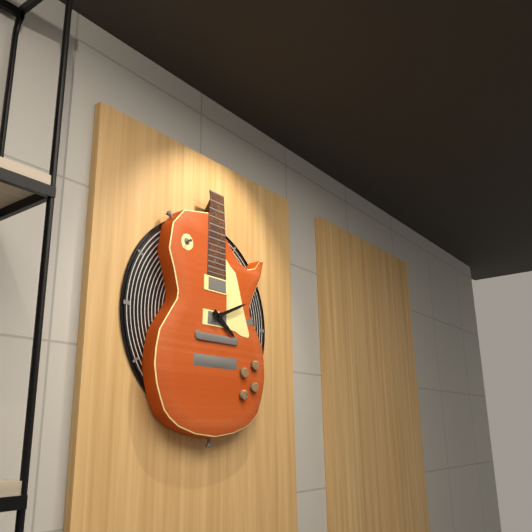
4h11
